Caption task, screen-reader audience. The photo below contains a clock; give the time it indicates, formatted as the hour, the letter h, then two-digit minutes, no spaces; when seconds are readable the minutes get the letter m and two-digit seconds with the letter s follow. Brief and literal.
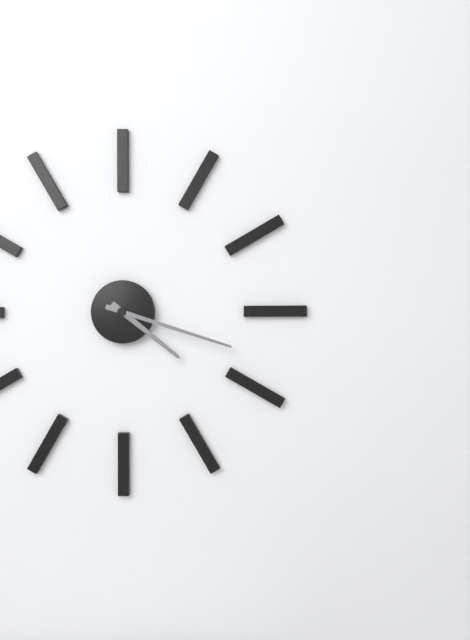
4h18
